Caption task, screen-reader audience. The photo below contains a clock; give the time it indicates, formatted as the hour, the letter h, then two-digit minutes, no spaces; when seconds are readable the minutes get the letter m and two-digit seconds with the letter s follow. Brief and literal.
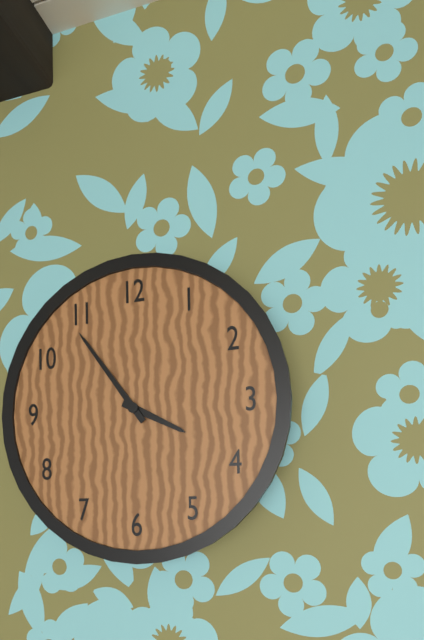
3h54
